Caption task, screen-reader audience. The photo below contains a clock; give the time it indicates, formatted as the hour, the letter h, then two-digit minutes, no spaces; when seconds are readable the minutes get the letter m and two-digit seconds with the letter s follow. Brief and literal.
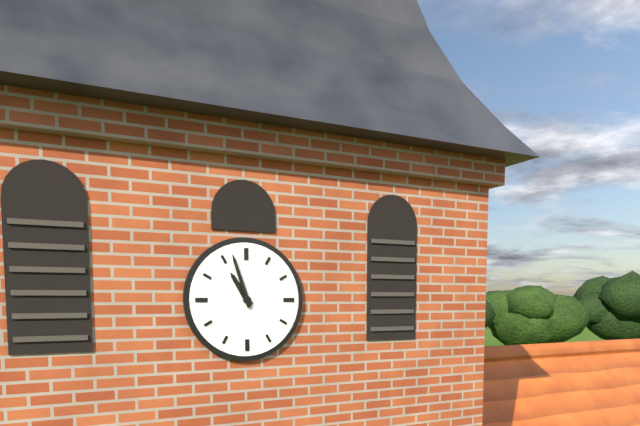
10h57
